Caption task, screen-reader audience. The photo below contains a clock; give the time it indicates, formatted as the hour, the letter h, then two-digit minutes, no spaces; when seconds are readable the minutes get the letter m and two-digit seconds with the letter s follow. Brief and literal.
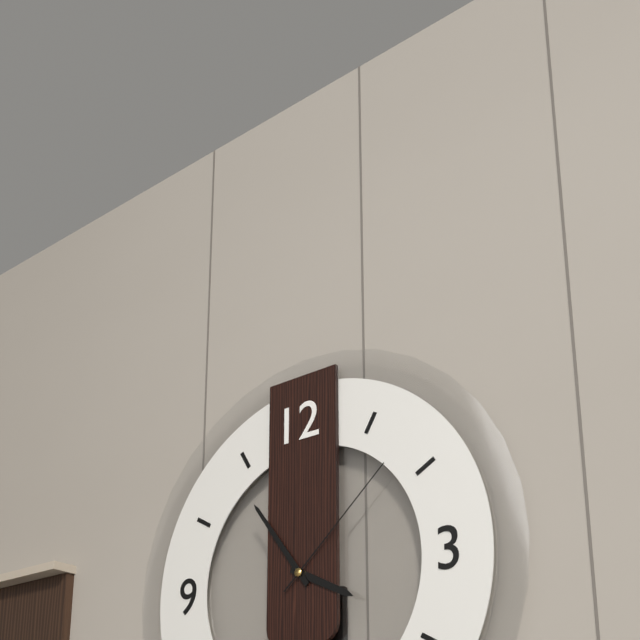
3h54m08s
